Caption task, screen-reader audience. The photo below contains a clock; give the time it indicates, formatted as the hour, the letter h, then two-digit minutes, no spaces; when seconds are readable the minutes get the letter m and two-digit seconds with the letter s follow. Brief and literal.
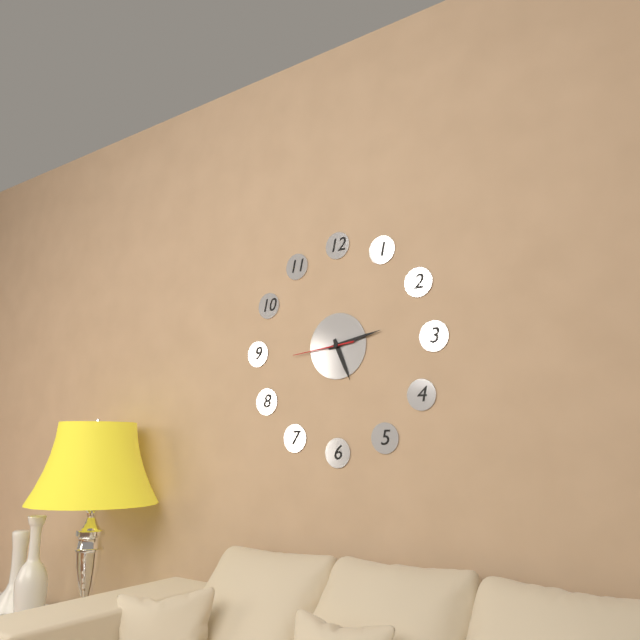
5h13m44s
